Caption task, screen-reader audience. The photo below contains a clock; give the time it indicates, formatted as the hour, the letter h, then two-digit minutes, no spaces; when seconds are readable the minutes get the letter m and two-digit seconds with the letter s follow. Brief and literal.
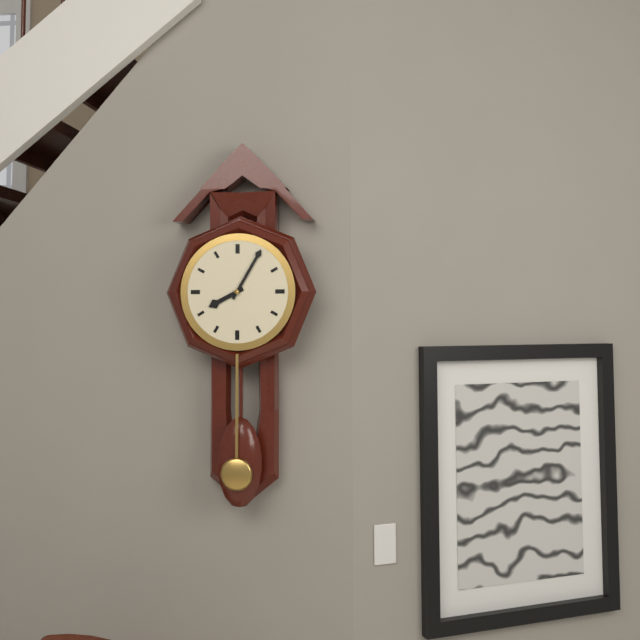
8h05
